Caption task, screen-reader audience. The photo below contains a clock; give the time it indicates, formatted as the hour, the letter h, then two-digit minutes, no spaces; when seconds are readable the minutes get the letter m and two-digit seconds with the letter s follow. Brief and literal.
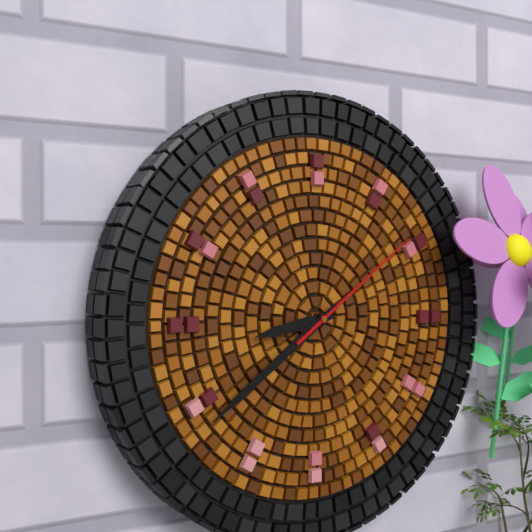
8h39m09s
